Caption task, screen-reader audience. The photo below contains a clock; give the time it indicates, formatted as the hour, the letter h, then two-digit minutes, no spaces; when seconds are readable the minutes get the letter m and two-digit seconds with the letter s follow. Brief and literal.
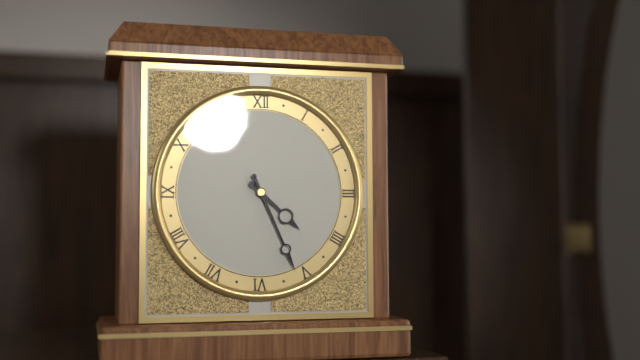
4h26
